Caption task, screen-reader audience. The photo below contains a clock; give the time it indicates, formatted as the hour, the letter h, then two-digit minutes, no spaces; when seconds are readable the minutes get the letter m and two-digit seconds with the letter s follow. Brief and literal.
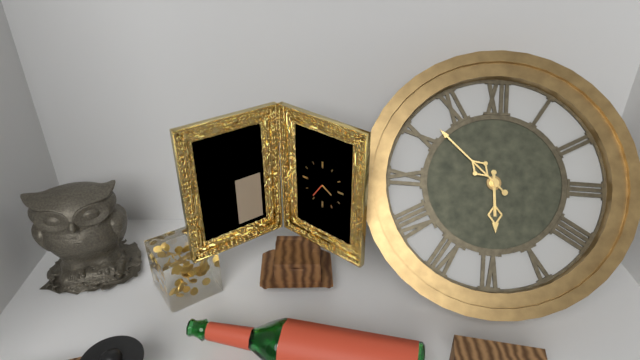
5h52
